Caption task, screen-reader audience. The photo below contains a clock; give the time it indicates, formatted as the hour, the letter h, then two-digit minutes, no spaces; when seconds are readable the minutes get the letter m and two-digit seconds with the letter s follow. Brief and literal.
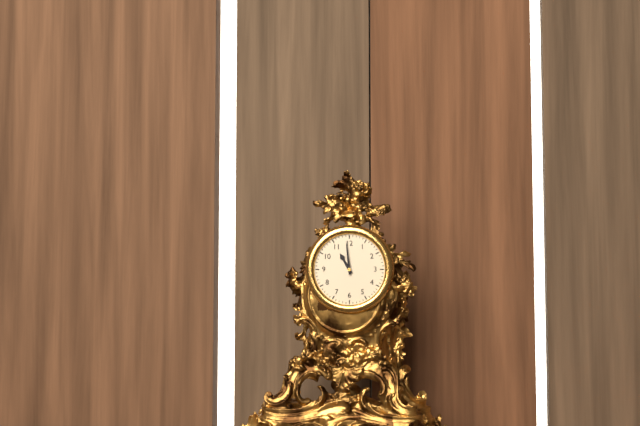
10h59
